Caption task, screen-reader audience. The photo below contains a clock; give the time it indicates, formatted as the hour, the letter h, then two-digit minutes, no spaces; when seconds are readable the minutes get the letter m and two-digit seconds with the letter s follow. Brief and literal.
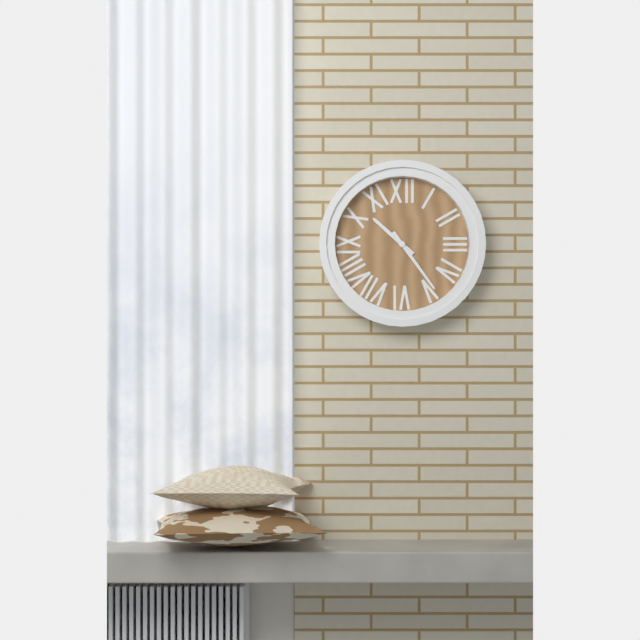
10h24
